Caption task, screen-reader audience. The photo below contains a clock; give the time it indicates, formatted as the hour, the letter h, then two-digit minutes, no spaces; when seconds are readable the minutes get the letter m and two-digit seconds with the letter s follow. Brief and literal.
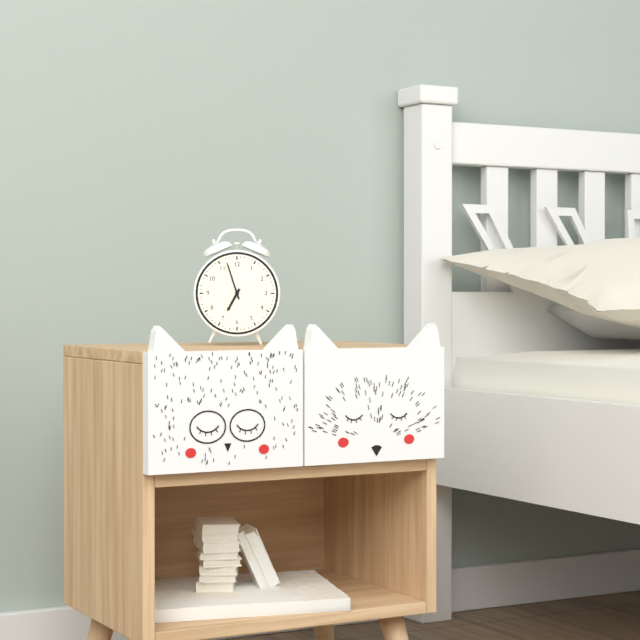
6h57
